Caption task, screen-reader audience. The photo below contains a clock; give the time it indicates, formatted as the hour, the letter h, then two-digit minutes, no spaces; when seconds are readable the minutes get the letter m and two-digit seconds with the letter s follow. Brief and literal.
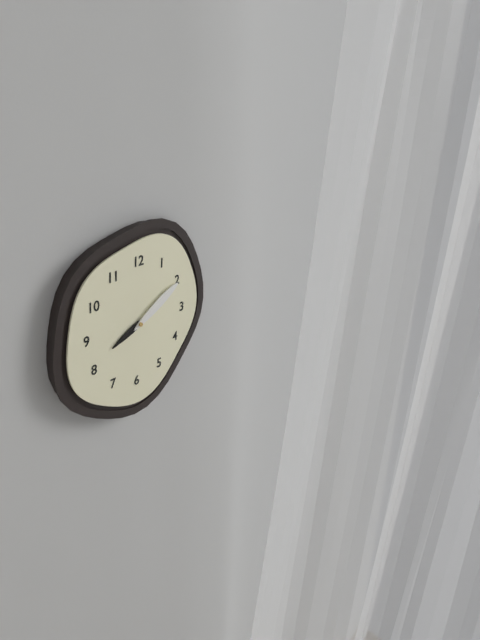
8h10
